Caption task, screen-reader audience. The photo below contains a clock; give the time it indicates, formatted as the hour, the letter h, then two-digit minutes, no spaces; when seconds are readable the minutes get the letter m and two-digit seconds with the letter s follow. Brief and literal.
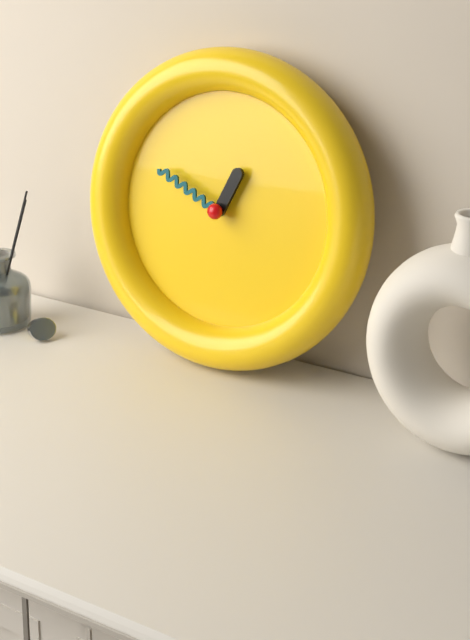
12h49
